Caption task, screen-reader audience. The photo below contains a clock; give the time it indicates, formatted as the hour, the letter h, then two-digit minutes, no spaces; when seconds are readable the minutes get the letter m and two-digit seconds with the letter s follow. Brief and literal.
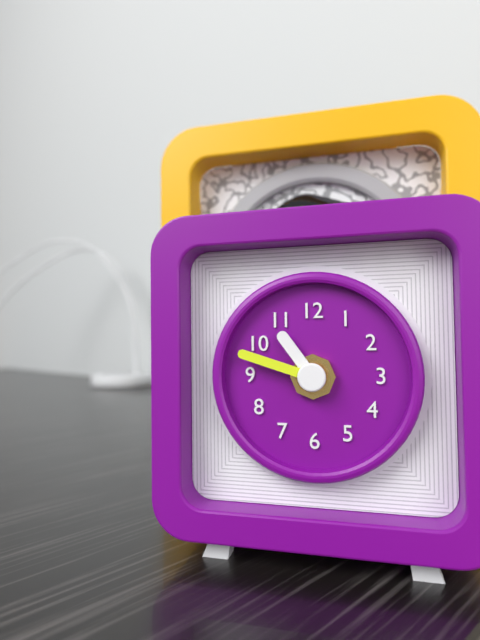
10h48
